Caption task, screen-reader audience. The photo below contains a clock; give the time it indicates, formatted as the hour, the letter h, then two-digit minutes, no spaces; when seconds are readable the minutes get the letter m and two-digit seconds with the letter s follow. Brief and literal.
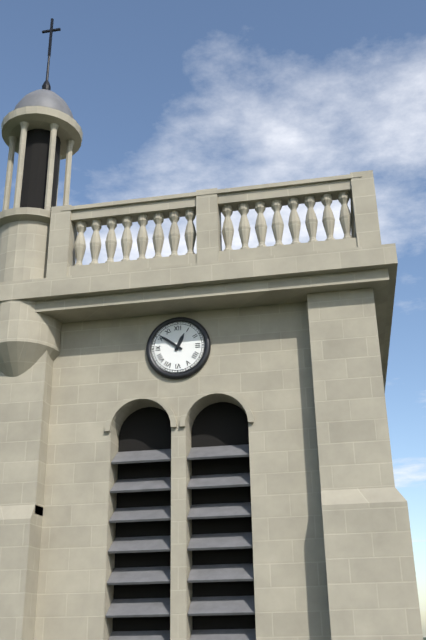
12h51
